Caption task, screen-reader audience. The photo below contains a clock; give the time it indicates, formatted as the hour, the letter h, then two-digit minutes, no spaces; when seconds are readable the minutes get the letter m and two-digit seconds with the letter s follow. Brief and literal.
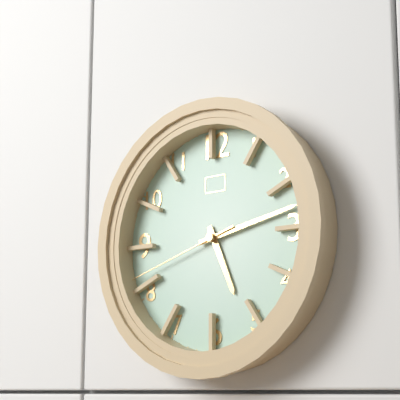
5h13m42s
